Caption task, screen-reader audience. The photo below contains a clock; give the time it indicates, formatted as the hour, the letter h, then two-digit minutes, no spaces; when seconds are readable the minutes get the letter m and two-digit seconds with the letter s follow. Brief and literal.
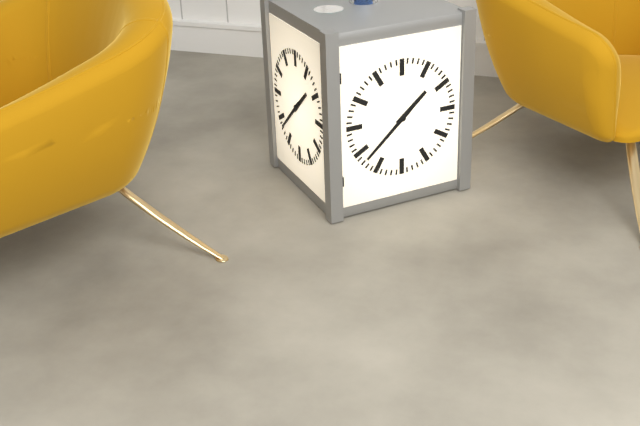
1h38
